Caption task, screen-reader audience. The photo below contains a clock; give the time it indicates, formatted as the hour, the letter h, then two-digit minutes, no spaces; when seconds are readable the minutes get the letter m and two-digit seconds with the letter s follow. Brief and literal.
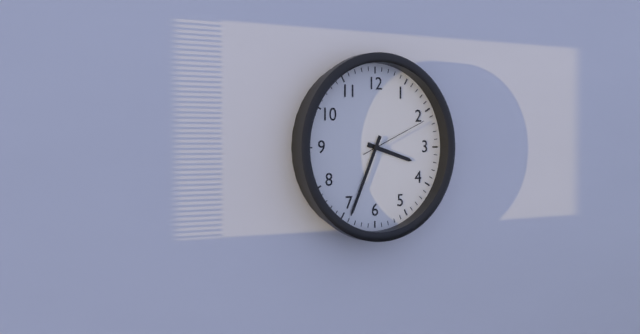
3h34m11s
